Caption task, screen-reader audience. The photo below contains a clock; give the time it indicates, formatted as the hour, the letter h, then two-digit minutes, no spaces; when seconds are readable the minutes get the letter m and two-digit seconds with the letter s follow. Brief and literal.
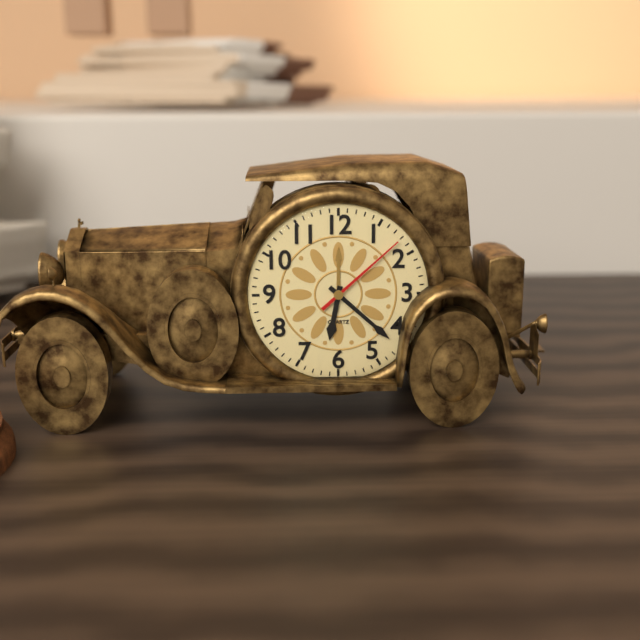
6h22m08s
